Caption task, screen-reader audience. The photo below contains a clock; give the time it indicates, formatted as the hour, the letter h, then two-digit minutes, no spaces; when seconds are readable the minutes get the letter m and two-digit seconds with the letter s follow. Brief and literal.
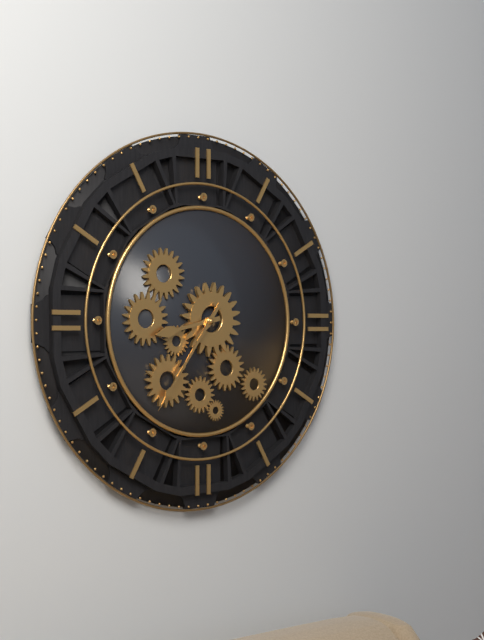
8h36
